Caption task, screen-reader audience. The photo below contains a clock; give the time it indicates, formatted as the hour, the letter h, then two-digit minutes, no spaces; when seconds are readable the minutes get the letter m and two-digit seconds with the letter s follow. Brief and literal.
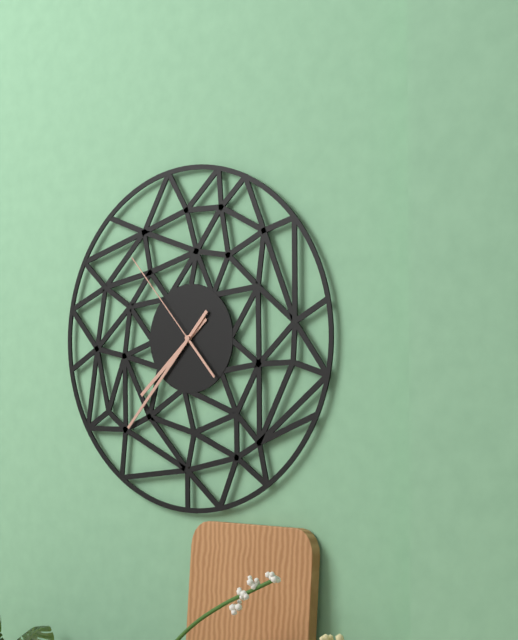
7h37m53s
